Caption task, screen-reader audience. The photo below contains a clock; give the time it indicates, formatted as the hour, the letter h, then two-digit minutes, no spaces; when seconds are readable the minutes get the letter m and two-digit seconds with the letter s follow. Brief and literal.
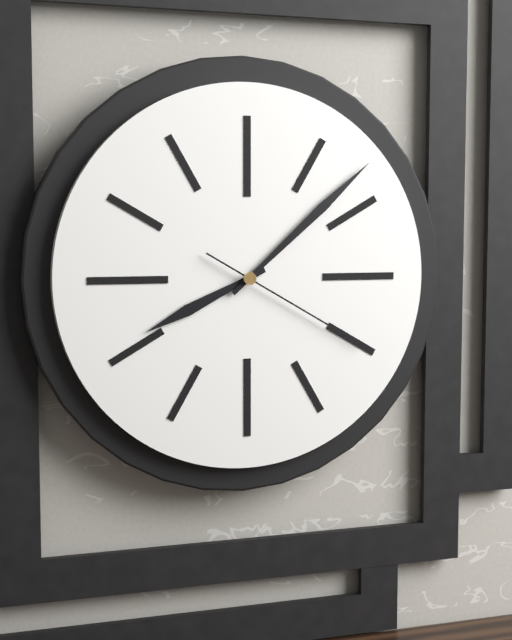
8h08m20s
